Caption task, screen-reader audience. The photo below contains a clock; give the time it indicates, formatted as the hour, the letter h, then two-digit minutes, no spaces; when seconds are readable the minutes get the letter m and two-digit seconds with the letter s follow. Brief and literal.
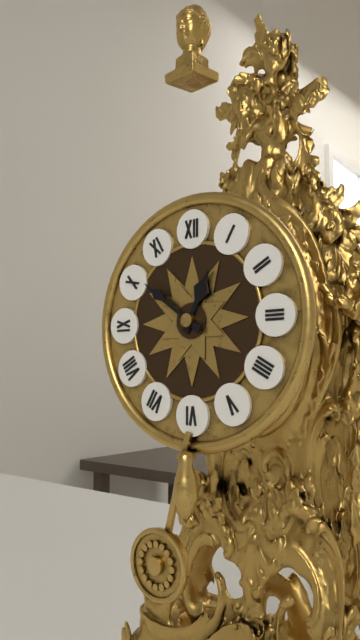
12h51
